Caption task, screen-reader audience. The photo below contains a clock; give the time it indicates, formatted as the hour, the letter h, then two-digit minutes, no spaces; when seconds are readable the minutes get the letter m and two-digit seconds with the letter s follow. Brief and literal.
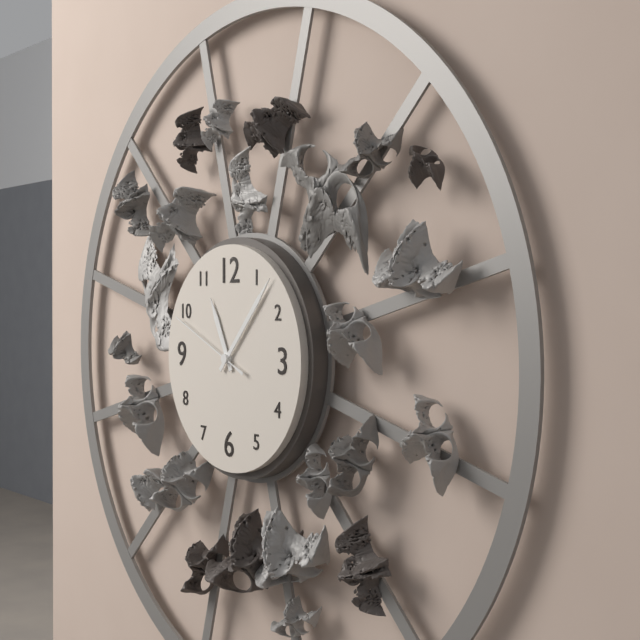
11h07m49s
